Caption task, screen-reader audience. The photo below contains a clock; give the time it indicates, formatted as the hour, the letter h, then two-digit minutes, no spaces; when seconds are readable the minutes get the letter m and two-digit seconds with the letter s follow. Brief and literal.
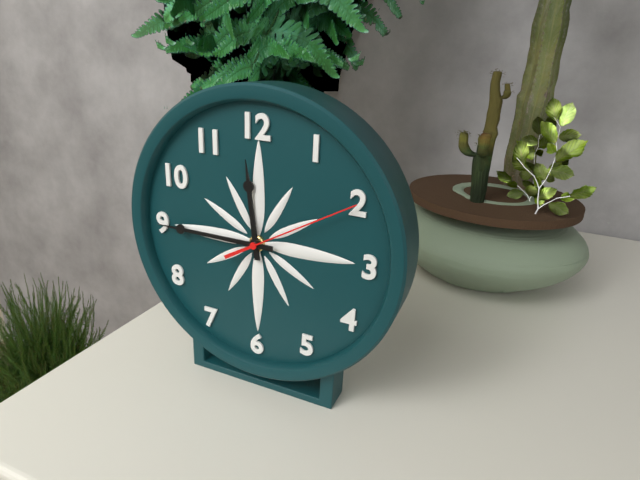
11h45m10s
